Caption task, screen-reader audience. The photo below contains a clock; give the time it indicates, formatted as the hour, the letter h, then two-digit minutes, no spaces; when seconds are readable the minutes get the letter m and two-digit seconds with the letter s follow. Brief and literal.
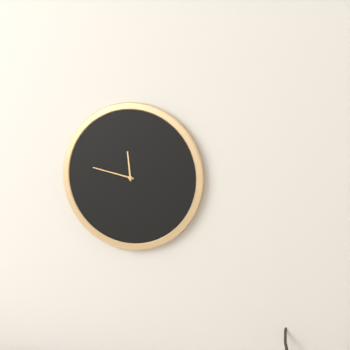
11h47
